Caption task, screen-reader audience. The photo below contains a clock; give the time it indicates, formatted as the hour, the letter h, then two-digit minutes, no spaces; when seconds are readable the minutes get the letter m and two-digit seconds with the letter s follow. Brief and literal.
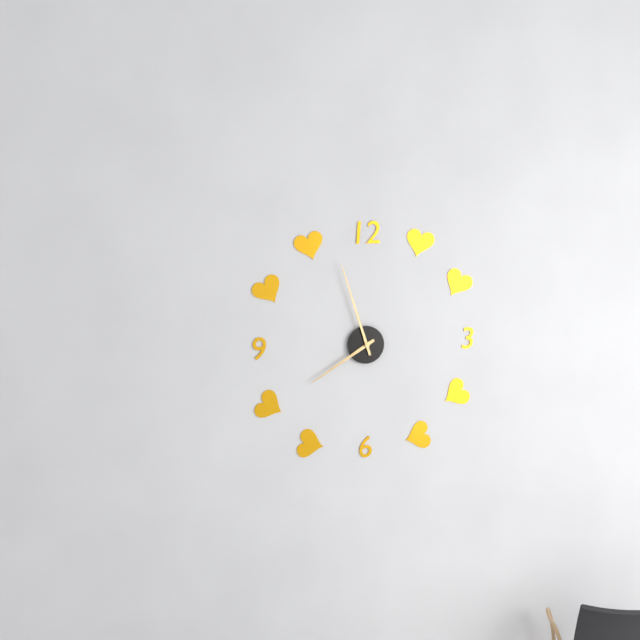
7h57
